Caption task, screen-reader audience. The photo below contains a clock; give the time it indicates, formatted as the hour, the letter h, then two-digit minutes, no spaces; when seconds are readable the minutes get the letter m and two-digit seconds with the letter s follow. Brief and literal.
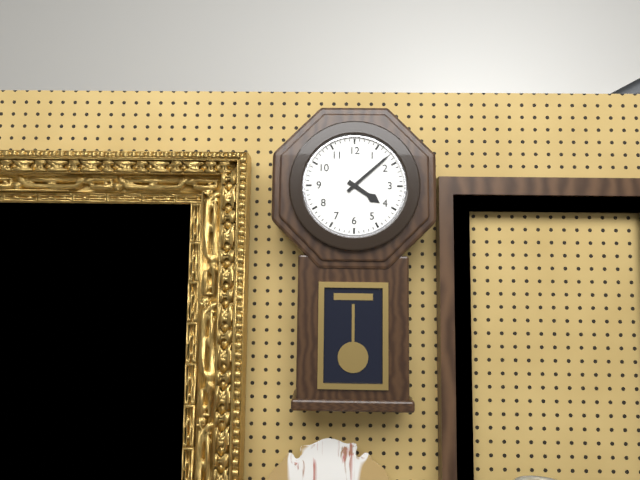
4h08
